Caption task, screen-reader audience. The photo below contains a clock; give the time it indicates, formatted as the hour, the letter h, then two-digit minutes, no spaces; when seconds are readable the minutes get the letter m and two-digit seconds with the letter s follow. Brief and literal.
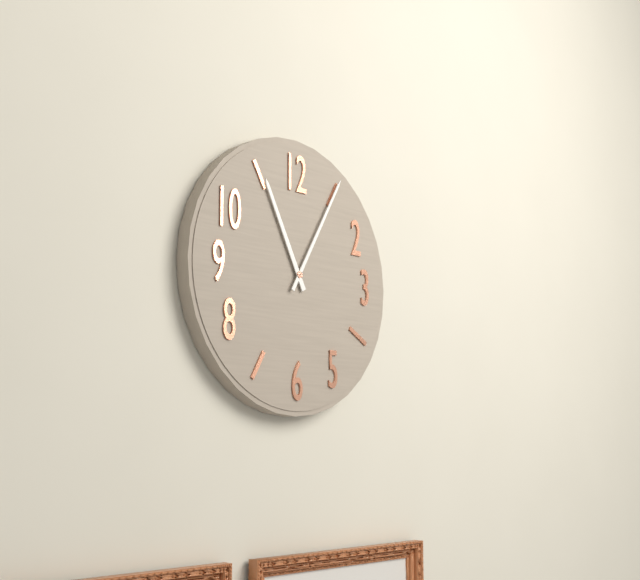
11h05
